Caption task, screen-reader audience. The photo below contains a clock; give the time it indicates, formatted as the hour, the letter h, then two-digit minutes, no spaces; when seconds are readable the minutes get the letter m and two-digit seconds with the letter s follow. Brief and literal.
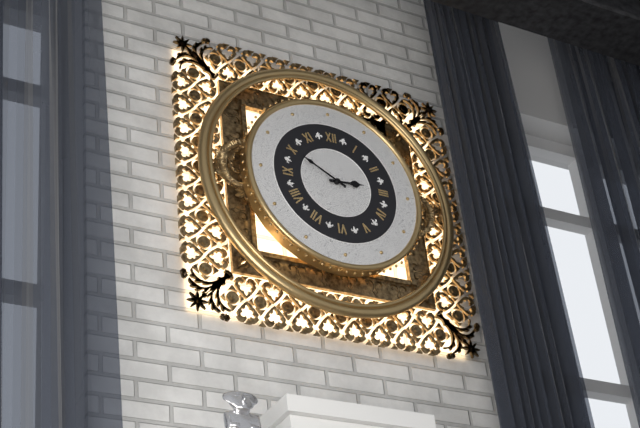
2h50
